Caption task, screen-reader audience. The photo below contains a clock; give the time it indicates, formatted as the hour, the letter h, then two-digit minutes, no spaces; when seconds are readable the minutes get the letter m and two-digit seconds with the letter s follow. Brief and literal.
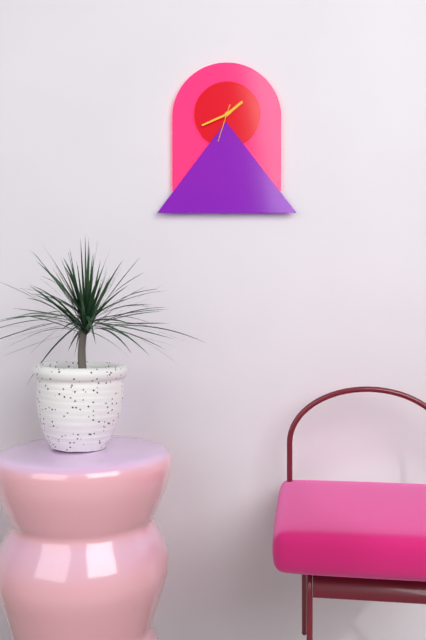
1h41
